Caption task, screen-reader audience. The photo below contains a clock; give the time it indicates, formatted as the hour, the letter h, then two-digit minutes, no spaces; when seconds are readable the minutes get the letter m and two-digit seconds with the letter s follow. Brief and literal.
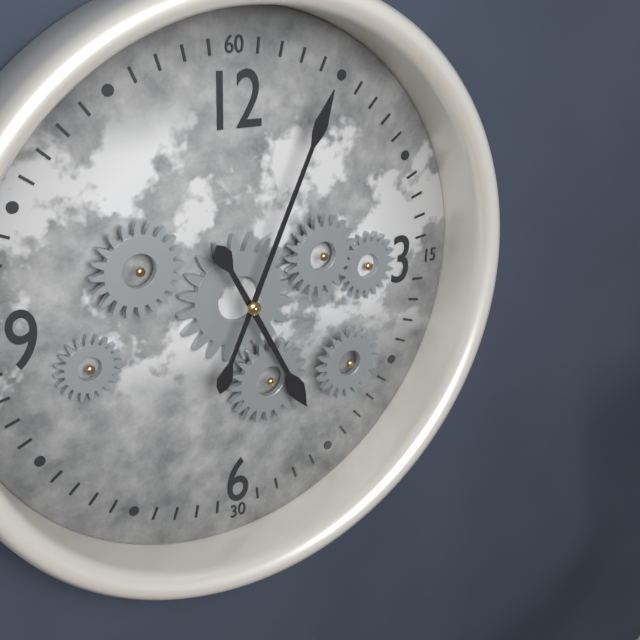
5h04
